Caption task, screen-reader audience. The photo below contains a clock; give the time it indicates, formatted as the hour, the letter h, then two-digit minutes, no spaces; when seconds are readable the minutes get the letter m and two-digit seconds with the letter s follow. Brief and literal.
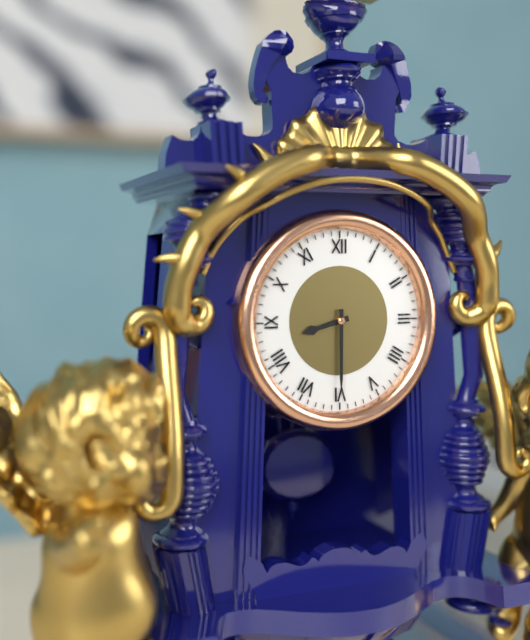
8h30
